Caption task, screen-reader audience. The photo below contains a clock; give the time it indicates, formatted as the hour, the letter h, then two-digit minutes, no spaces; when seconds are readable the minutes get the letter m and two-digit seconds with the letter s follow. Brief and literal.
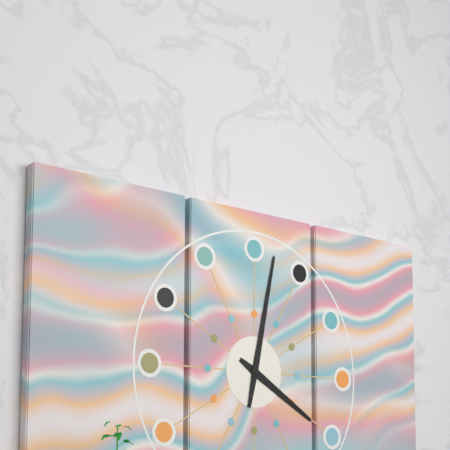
4h02
